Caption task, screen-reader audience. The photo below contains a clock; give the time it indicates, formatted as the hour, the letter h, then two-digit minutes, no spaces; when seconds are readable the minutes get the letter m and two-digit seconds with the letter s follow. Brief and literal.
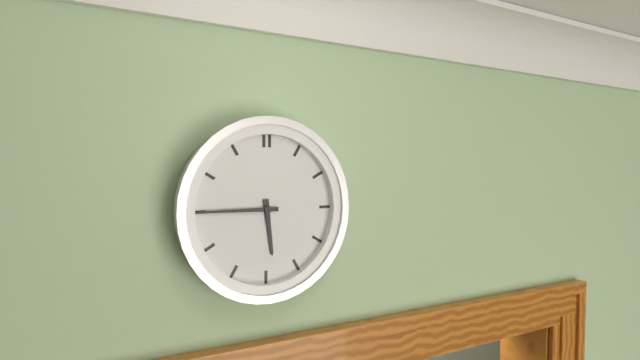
5h45
